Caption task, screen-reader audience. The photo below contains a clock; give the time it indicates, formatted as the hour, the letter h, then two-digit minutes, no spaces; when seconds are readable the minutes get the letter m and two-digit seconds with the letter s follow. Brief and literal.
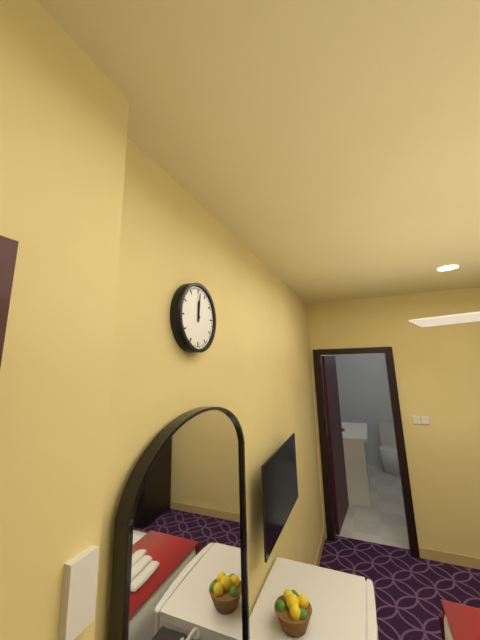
12h01
